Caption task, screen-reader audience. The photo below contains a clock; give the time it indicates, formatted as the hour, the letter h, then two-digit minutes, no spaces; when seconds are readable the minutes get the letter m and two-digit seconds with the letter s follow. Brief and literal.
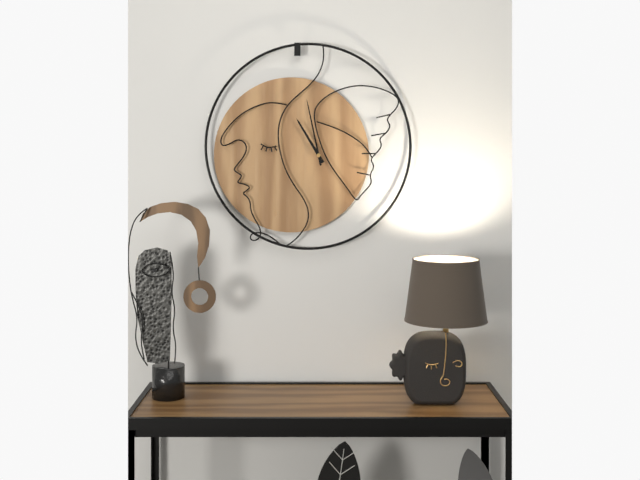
10h58
